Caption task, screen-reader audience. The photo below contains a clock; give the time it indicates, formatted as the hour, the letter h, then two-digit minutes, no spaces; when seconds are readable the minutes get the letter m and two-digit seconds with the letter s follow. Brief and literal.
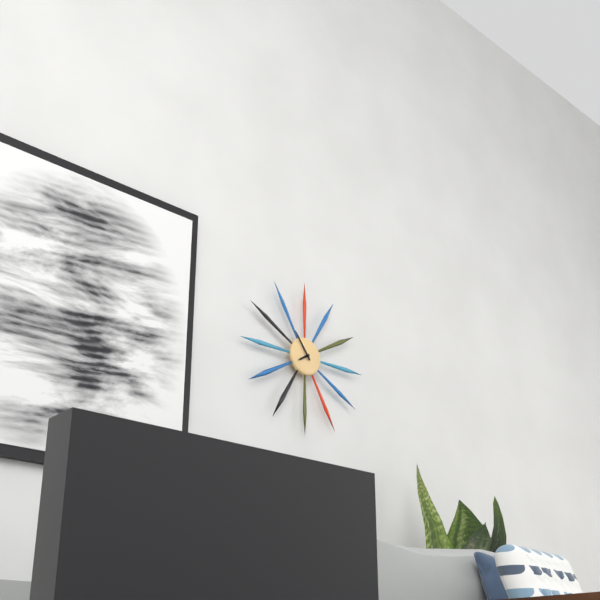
7h54
